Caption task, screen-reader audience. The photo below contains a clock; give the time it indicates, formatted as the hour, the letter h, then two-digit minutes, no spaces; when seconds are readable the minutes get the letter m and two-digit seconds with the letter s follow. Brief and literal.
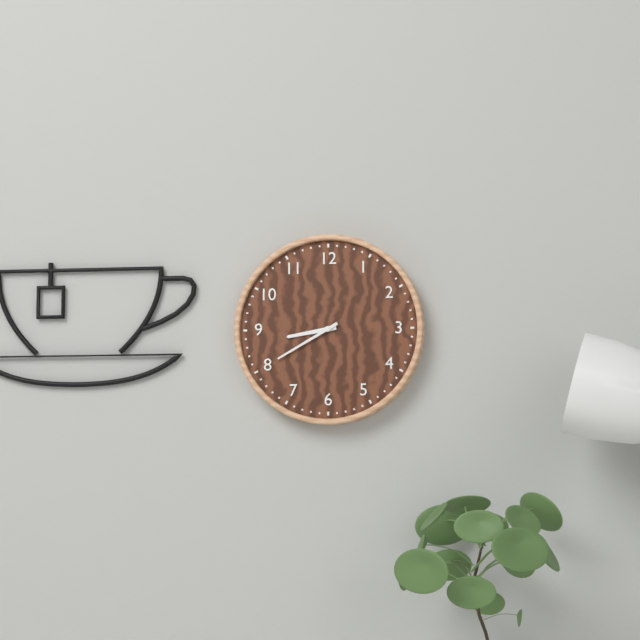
8h40
